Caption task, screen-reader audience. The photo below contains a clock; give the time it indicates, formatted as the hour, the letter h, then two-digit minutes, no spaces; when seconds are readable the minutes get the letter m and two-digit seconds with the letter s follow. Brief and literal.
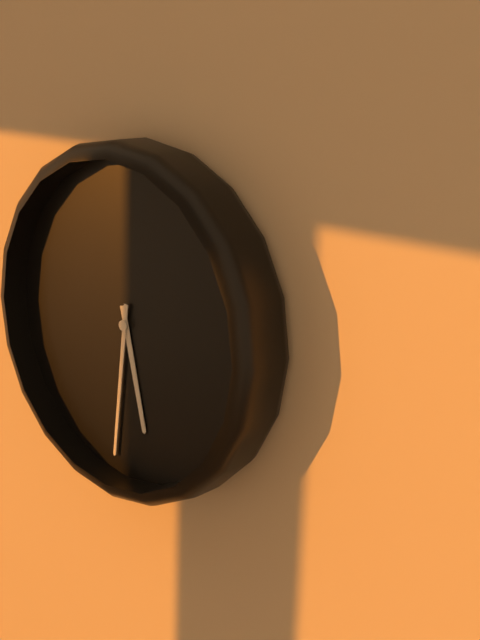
5h31
